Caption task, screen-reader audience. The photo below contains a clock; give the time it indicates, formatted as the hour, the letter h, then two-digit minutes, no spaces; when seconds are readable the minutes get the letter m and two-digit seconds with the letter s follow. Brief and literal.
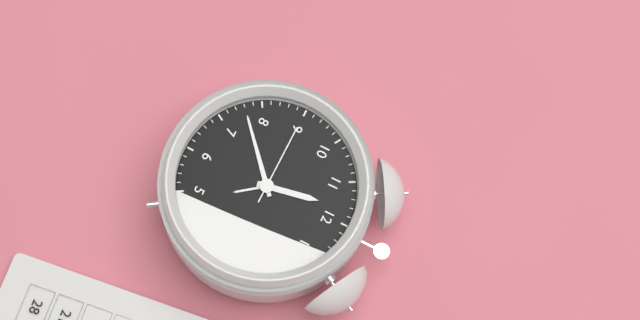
11h38m45s
